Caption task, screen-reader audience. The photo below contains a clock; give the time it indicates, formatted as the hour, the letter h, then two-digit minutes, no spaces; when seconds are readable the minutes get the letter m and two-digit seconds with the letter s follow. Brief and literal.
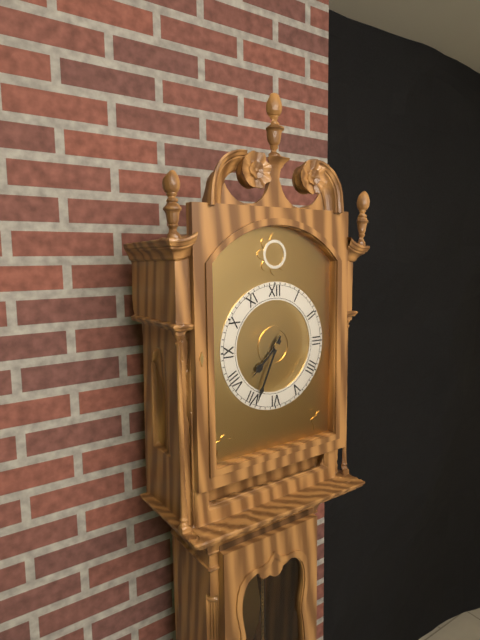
7h34
